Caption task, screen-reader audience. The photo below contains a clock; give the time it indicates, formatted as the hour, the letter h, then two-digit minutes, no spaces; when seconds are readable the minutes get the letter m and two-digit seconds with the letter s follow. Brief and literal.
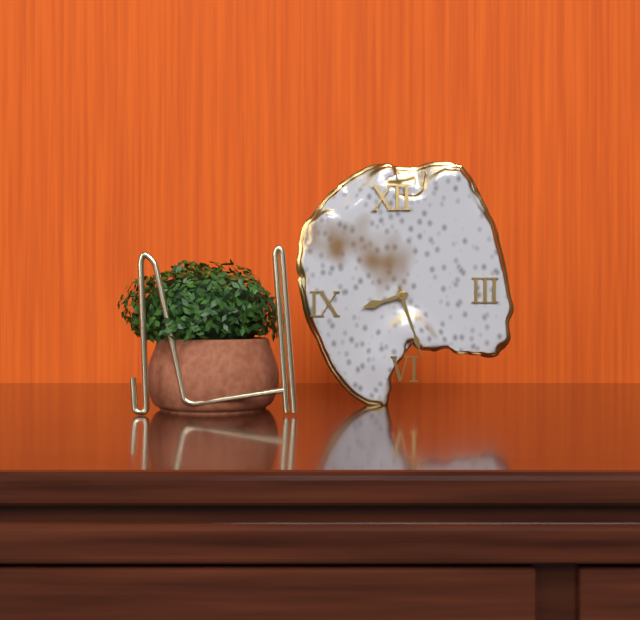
8h27
